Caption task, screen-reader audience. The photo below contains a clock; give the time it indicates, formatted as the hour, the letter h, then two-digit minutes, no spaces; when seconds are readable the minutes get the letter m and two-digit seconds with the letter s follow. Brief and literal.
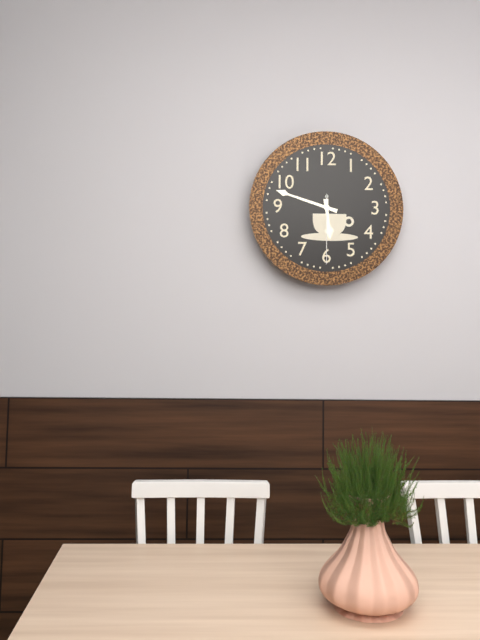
5h48m30s
